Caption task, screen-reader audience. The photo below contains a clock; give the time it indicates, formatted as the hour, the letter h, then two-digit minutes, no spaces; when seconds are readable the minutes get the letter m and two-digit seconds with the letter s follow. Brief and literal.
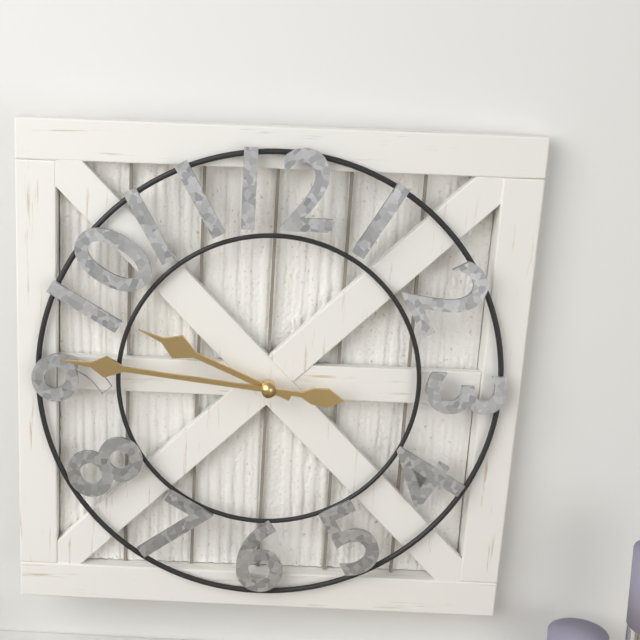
9h46
